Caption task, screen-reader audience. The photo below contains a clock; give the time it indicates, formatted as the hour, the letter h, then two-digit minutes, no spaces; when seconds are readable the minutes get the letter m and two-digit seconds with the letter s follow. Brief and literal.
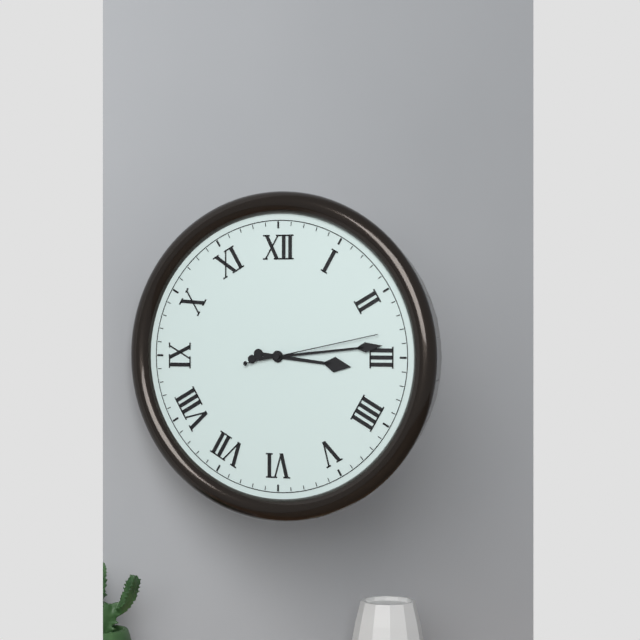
3h14m13s
